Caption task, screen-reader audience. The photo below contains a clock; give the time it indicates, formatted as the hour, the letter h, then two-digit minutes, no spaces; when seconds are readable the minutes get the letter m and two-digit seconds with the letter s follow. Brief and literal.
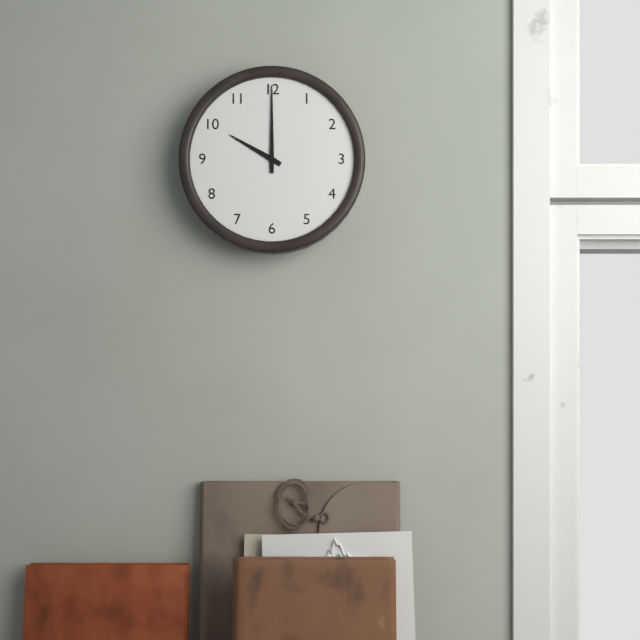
10h00
